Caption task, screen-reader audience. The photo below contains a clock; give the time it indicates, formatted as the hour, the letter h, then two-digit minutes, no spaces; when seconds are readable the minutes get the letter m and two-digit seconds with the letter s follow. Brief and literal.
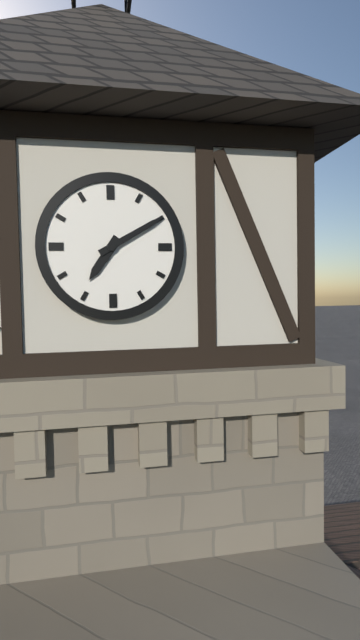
7h10
